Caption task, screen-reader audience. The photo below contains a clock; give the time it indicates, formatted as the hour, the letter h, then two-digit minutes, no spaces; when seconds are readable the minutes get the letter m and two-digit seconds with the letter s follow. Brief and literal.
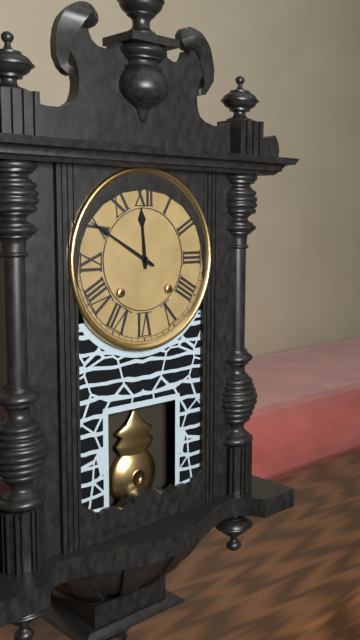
11h50
